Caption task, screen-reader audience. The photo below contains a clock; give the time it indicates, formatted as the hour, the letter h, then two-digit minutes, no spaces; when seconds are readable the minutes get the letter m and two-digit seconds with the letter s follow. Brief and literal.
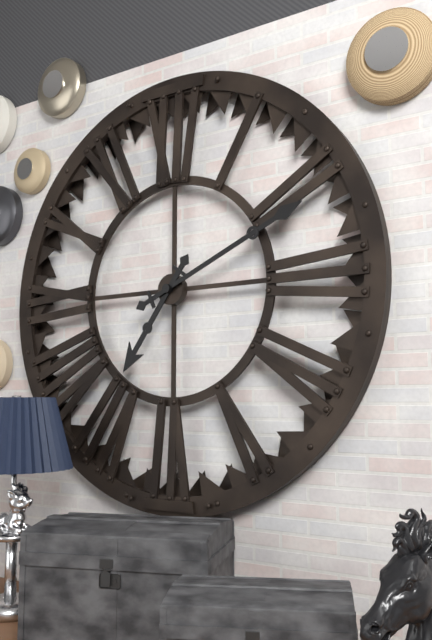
7h11
